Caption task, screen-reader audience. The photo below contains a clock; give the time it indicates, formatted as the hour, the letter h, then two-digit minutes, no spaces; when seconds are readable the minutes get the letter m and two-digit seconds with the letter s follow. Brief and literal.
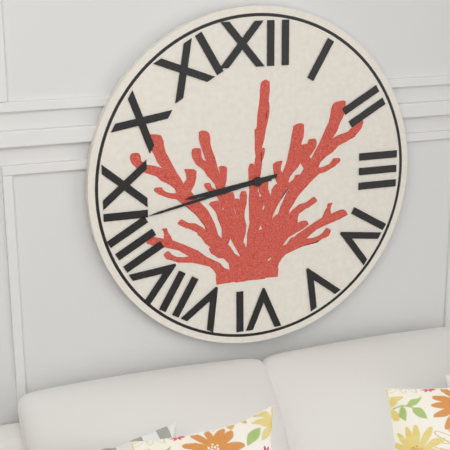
8h43
